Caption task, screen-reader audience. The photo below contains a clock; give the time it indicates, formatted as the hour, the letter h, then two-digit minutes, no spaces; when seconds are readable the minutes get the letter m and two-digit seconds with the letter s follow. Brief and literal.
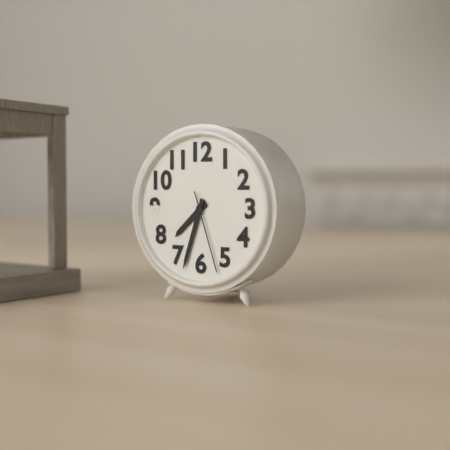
7h33m27s
